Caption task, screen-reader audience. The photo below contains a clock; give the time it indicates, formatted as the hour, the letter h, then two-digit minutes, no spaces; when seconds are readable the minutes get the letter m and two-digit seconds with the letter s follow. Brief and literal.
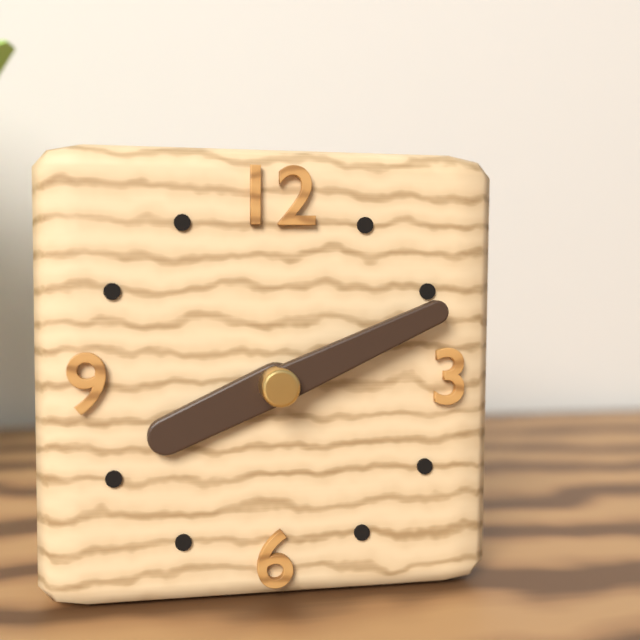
8h11
